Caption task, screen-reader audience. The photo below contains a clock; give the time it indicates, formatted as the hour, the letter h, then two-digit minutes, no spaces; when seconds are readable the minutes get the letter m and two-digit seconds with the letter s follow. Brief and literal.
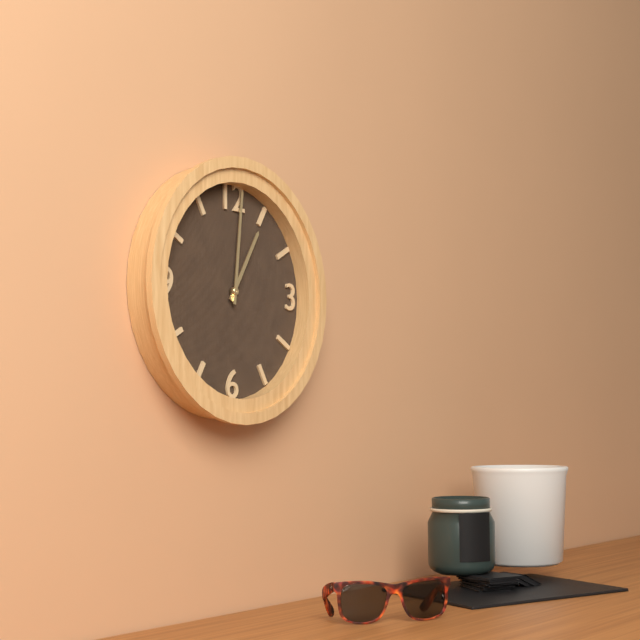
1h01
